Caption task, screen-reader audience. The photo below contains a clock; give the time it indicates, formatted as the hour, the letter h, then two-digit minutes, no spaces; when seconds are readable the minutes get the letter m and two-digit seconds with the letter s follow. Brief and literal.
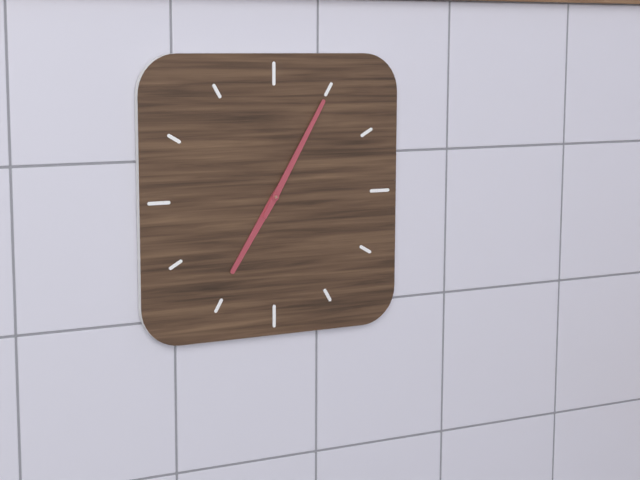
7h05
